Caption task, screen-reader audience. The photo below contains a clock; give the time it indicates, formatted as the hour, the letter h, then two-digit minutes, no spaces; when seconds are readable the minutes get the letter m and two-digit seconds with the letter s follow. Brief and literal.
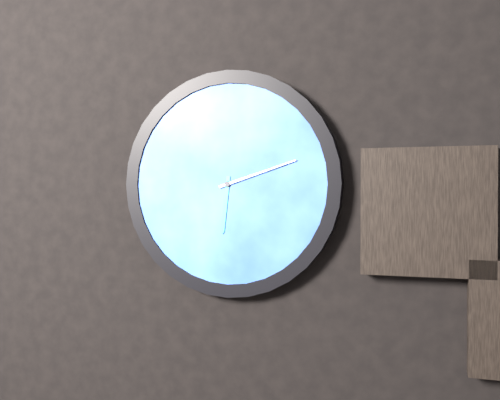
6h12
